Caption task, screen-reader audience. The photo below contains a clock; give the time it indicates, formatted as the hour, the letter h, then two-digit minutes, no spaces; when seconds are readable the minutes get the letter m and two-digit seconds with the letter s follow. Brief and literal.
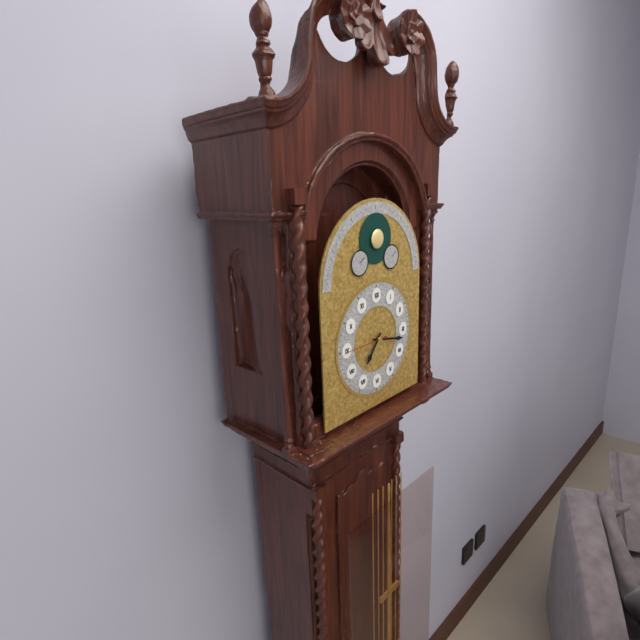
7h17
